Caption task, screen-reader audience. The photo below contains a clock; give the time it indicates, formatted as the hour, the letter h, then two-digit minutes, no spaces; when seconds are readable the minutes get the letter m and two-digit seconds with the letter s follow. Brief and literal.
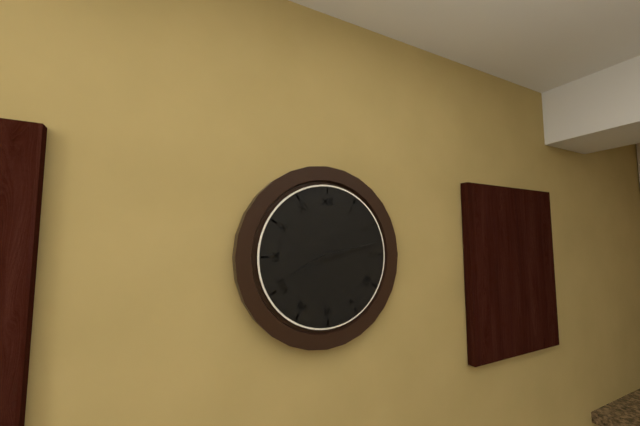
8h13
